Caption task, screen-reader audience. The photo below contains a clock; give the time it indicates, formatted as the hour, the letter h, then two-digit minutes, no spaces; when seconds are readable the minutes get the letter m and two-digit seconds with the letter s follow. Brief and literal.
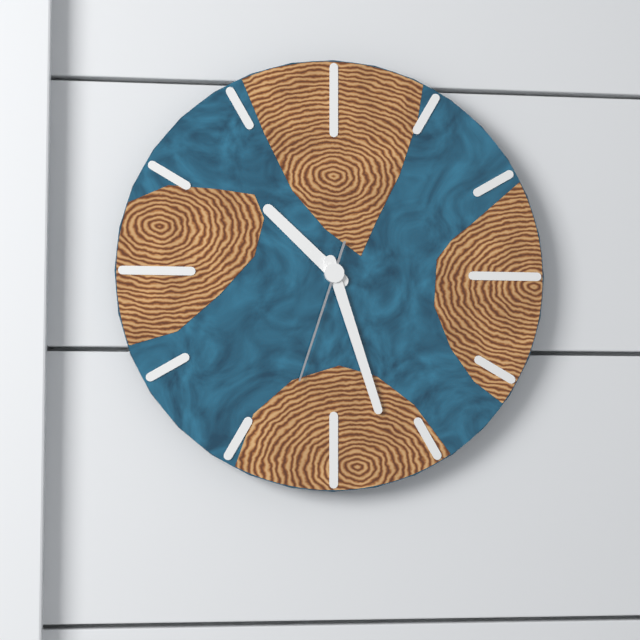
10h27m33s
